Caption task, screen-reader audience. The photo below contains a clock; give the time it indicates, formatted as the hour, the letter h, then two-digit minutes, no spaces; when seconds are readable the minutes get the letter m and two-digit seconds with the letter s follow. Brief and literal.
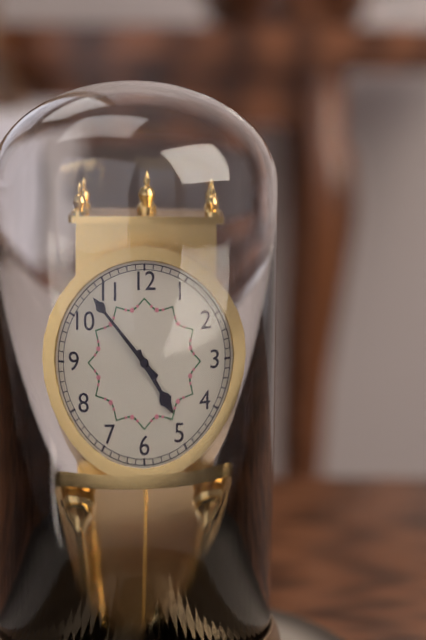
4h53
